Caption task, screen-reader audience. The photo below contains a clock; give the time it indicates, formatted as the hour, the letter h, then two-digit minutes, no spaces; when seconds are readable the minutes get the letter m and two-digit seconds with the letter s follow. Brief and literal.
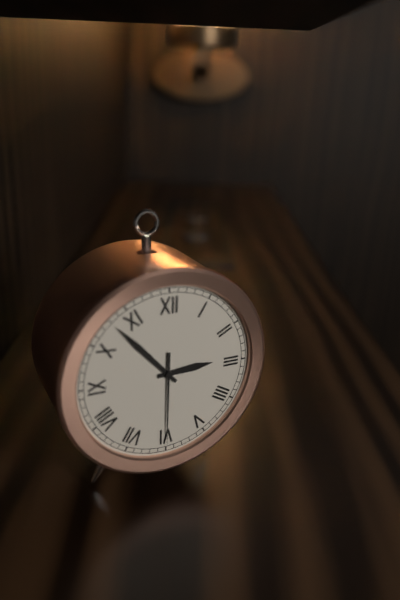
2h53m30s
